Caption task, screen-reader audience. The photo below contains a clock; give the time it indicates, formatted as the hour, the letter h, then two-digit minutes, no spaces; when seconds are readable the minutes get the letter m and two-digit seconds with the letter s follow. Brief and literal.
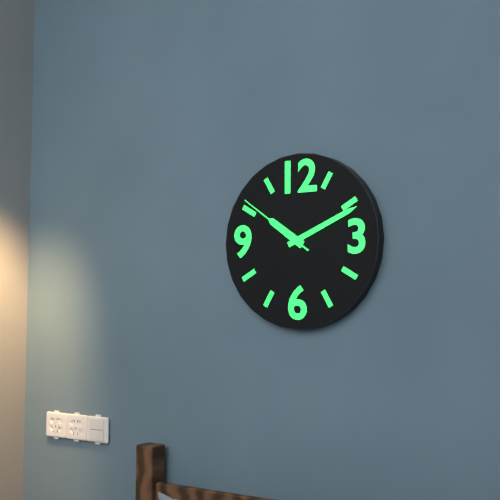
10h11m51s
